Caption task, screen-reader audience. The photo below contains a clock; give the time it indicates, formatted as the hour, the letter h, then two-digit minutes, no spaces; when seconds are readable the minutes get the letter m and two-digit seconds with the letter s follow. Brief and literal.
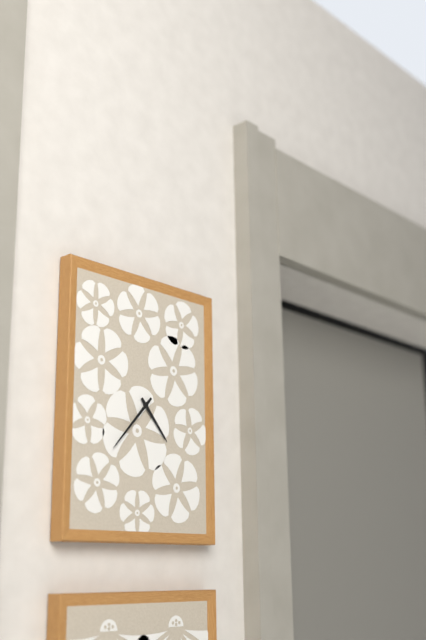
4h37
